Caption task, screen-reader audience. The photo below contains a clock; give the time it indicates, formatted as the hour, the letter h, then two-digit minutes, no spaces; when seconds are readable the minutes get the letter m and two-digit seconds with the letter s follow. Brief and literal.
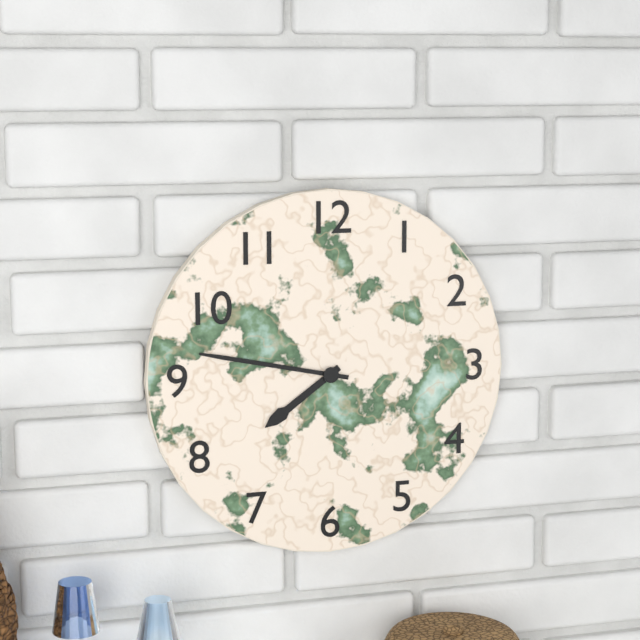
7h47
